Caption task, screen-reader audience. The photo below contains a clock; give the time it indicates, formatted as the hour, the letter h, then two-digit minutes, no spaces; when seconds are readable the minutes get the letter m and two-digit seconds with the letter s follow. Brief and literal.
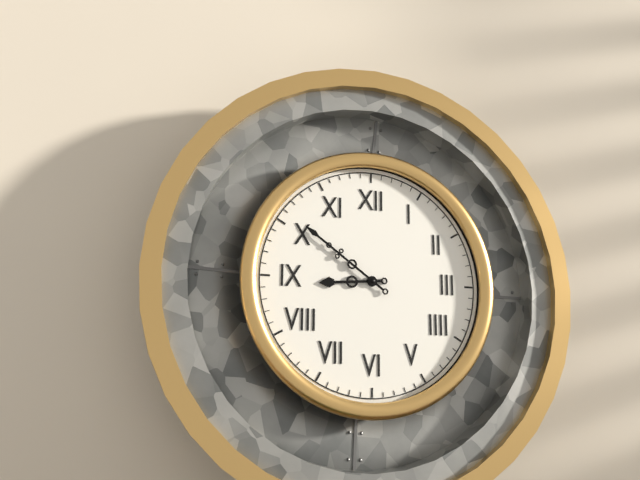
8h51
